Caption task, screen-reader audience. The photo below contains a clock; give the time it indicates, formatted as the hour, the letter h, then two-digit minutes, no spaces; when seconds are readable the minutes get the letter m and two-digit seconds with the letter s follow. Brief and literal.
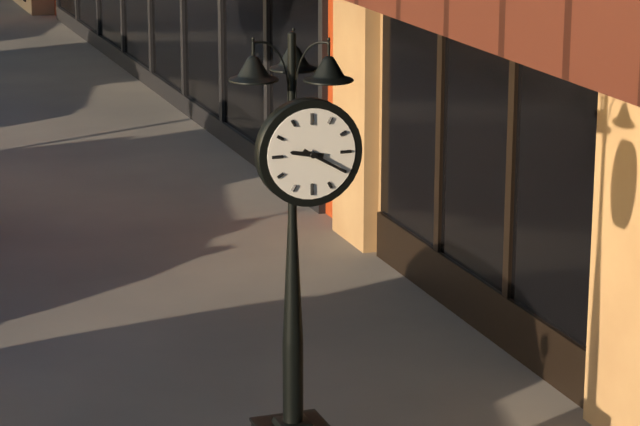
9h20
